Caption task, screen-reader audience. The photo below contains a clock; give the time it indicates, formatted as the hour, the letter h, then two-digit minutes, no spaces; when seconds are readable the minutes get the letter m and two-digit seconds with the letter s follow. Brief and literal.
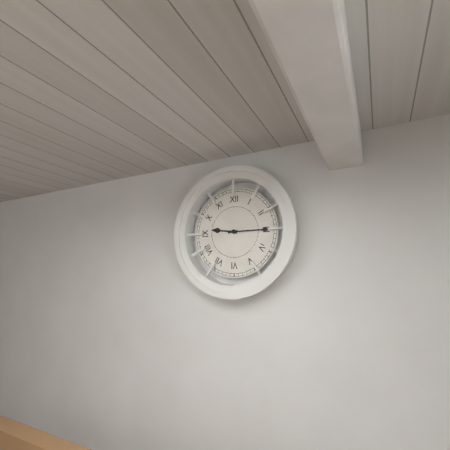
9h15
